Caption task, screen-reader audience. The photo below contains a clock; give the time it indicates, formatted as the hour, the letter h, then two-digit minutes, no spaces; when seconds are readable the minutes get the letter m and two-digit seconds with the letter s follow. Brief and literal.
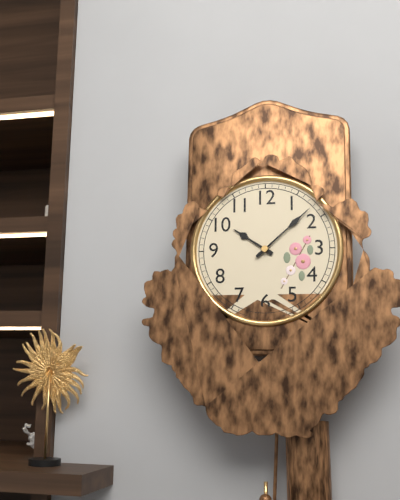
10h08
